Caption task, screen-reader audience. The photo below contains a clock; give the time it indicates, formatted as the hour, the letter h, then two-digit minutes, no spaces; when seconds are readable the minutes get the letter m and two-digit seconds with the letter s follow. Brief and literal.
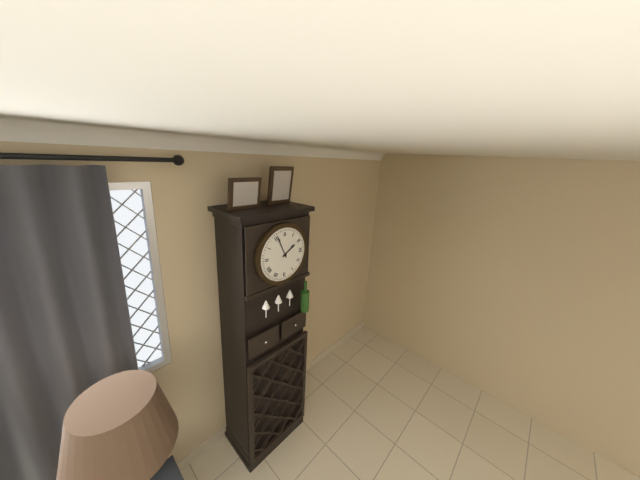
1h56
